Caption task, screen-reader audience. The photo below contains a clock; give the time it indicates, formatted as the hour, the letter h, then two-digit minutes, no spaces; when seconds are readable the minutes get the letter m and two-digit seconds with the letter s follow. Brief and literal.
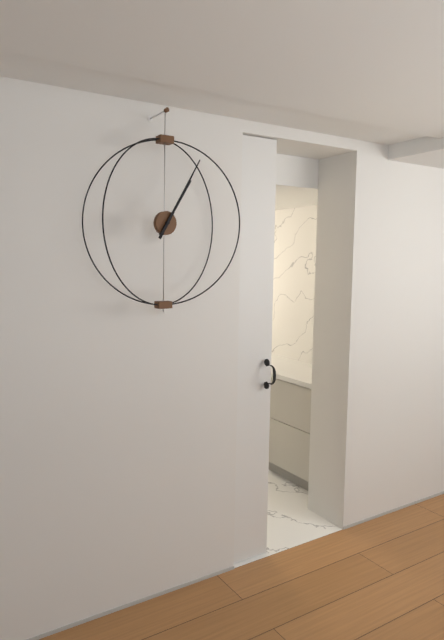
1h05
